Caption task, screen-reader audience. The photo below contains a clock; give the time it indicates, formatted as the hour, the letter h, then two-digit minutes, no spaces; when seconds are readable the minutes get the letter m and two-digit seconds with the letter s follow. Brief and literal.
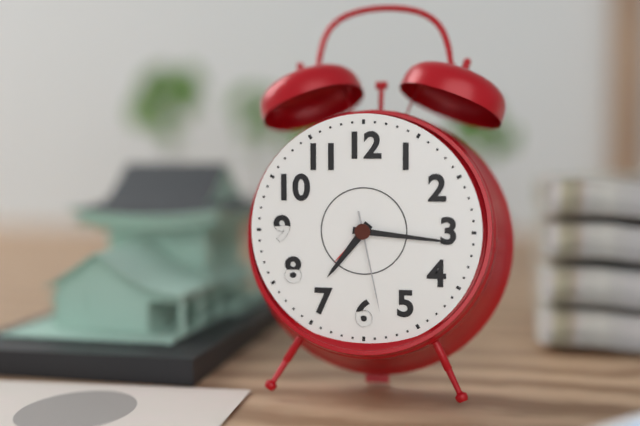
7h16m28s
